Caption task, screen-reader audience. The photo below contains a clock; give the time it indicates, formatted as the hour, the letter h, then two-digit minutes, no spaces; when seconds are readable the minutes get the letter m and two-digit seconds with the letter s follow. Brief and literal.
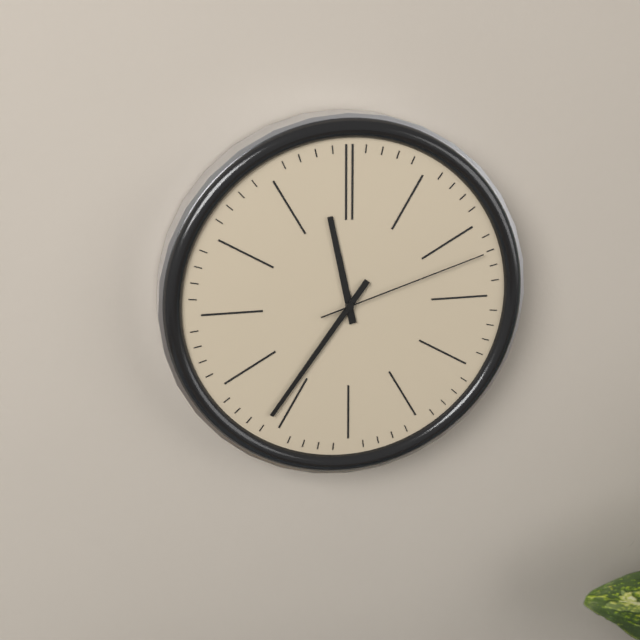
11h36m12s
